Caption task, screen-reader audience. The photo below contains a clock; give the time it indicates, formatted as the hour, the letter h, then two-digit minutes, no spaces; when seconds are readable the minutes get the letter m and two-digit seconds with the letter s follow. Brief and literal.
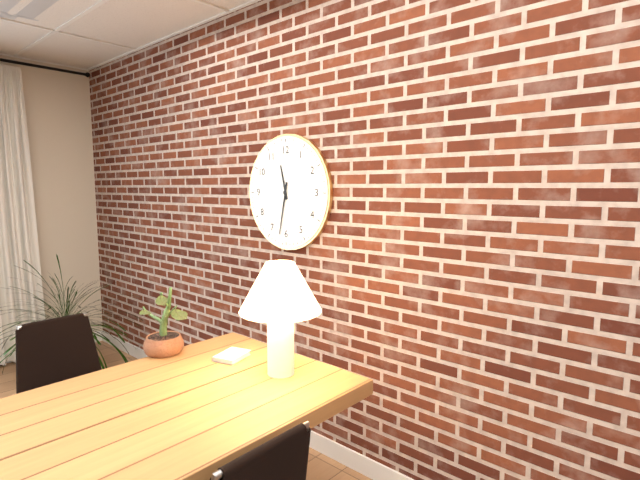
11h32
